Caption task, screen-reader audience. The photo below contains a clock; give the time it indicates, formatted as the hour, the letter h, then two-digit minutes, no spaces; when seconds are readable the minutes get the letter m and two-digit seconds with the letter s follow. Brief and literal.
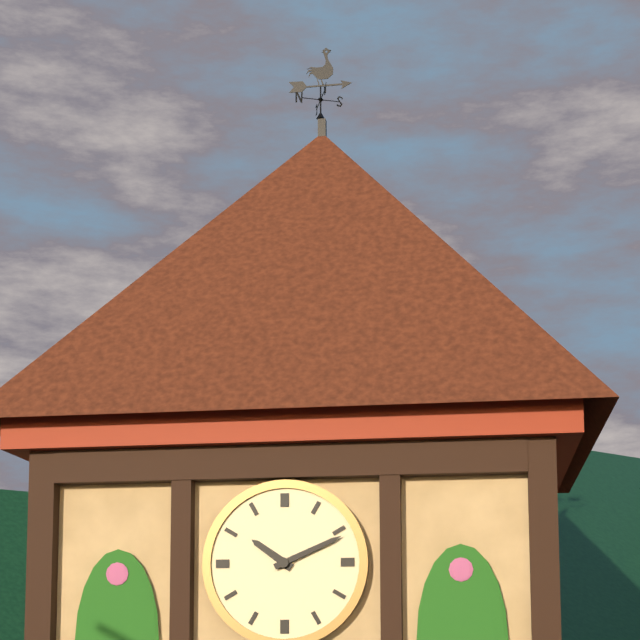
10h11
